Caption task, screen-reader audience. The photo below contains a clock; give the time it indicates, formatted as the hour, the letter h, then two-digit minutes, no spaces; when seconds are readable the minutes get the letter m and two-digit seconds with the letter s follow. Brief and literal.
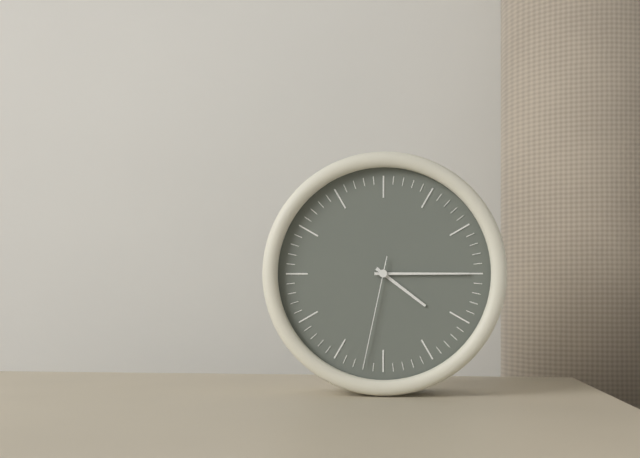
4h15m32s
